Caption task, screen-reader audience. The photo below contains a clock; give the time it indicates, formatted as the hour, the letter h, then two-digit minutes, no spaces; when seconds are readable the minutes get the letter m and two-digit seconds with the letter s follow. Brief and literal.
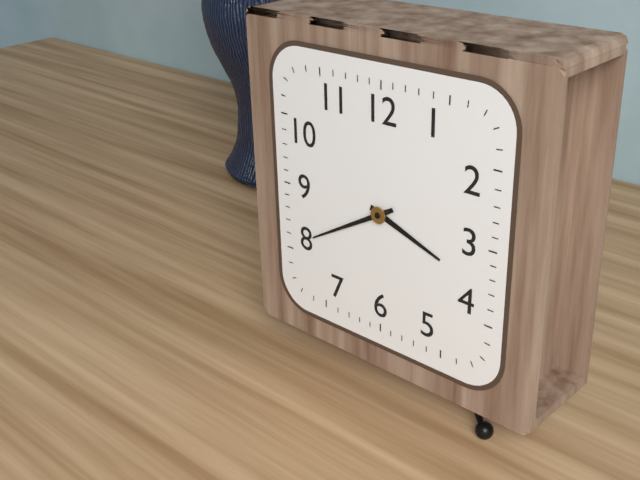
3h40
